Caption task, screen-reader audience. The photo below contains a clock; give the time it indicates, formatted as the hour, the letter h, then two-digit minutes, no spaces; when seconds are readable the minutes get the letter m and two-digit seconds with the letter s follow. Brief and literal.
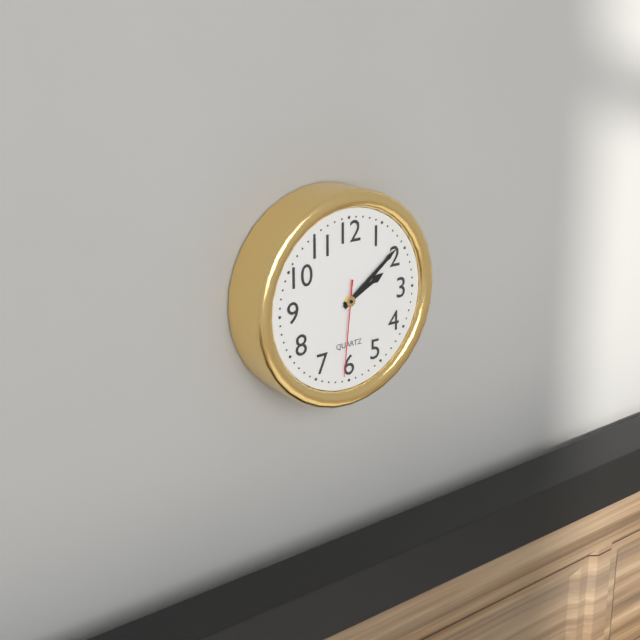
2h09m31s
